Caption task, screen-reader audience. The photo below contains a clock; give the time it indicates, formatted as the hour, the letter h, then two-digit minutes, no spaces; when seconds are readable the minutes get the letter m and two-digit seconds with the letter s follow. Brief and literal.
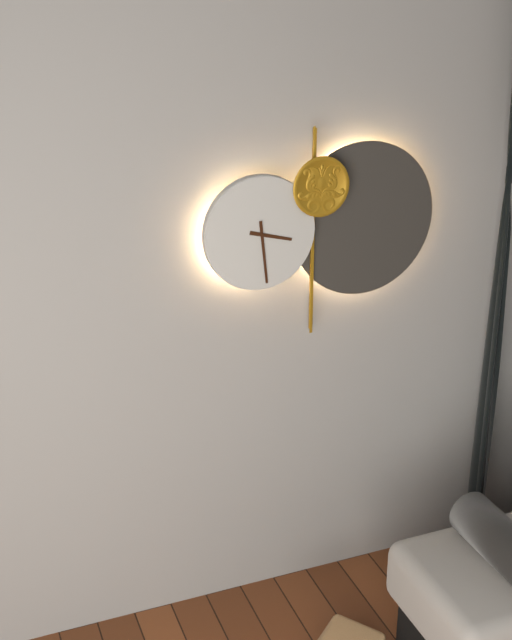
3h29
